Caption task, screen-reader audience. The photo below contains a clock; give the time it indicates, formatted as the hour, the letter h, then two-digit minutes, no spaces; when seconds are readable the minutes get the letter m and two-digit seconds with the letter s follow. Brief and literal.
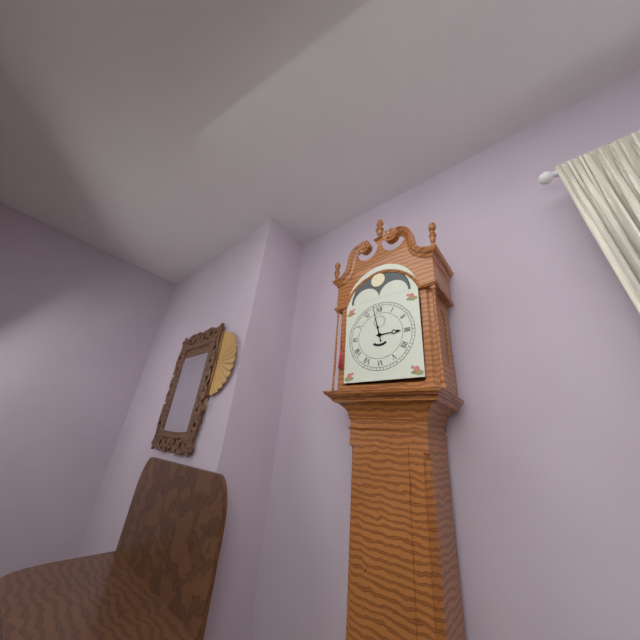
2h58
